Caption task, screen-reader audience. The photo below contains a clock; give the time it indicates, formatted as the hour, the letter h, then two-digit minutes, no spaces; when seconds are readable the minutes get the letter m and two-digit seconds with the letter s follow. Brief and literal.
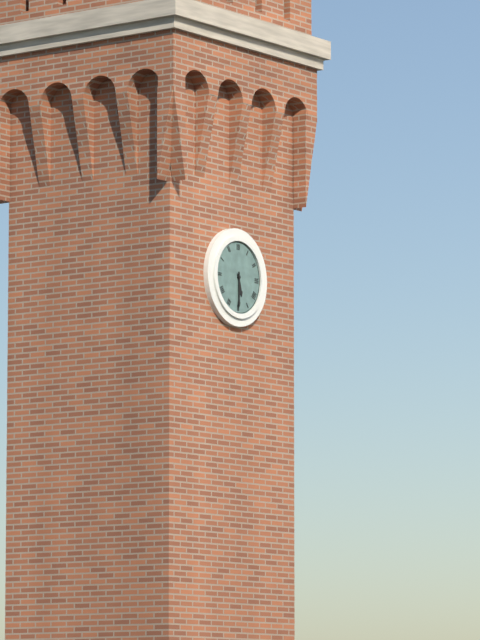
5h30
